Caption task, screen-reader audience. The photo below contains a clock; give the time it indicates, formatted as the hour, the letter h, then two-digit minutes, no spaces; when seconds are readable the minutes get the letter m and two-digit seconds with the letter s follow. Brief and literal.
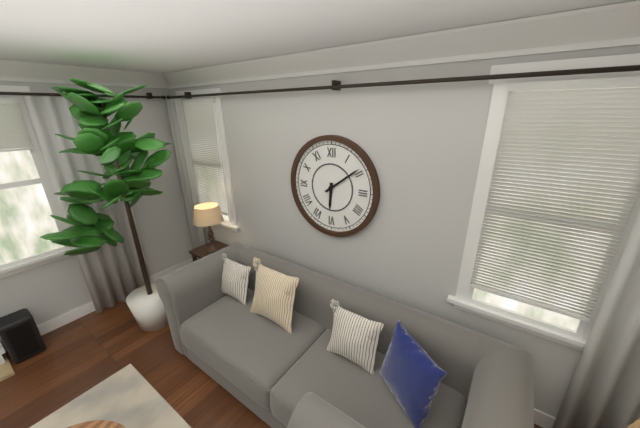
6h09
